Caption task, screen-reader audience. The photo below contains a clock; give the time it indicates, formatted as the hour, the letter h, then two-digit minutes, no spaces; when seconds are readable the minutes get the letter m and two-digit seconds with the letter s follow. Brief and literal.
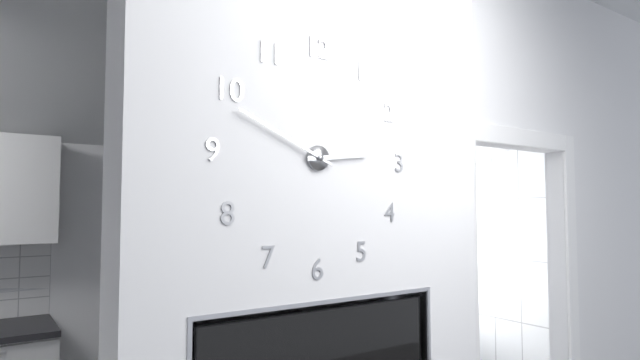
2h49
